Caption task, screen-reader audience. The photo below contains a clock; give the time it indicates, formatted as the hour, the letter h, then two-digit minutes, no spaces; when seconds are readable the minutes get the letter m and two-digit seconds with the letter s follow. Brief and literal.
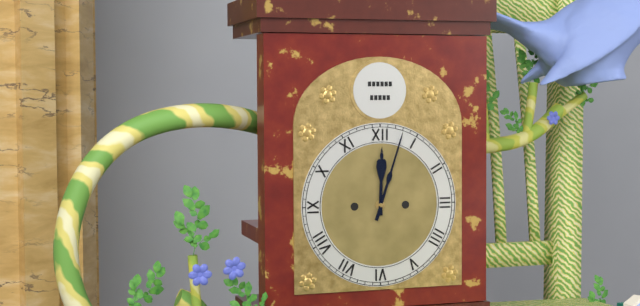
12h03
